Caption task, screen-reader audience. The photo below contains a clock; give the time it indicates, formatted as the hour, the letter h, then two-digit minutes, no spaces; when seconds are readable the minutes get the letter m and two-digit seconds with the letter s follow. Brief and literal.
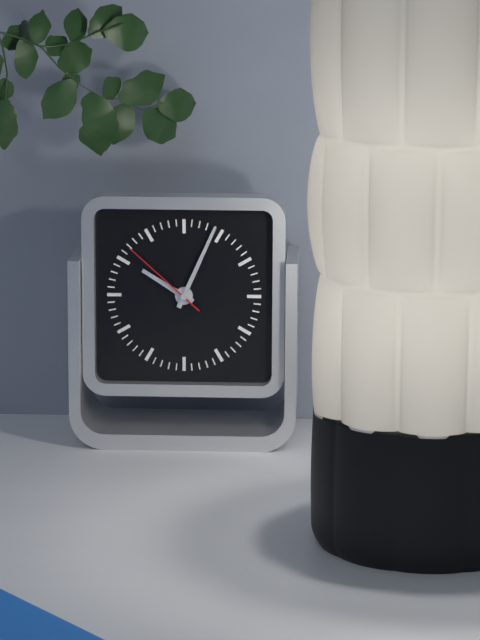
10h04m52s
